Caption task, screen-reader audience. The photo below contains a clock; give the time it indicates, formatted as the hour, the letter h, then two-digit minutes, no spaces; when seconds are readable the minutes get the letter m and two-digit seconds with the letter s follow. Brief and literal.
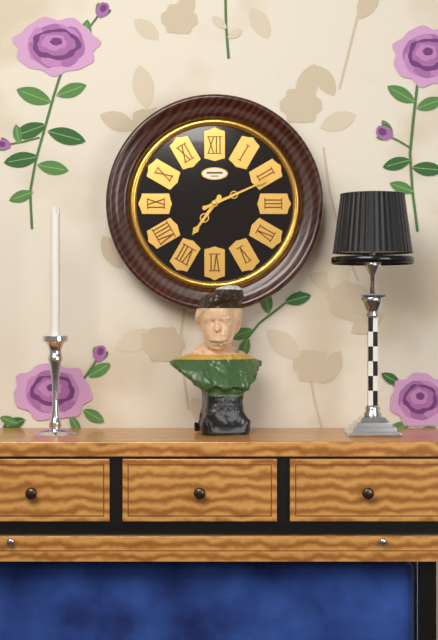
7h11
